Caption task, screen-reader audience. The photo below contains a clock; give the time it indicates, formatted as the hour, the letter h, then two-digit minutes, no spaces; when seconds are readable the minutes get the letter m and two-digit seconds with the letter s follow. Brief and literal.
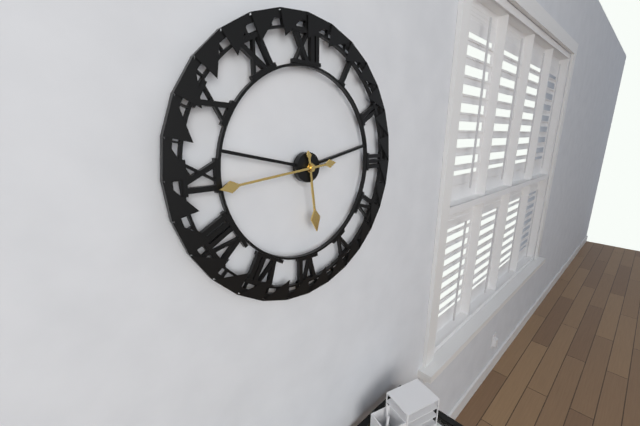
5h44
